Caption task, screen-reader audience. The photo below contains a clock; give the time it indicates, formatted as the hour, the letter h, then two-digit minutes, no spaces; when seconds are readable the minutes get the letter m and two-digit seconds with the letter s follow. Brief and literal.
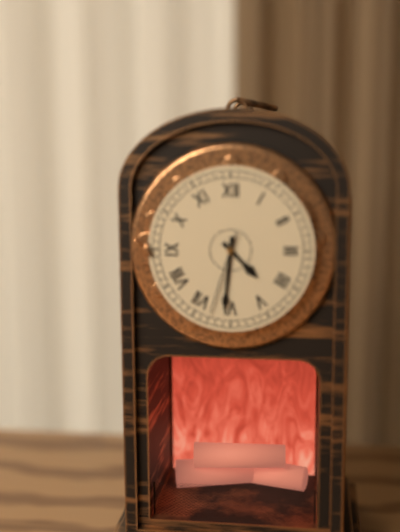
4h31m33s
